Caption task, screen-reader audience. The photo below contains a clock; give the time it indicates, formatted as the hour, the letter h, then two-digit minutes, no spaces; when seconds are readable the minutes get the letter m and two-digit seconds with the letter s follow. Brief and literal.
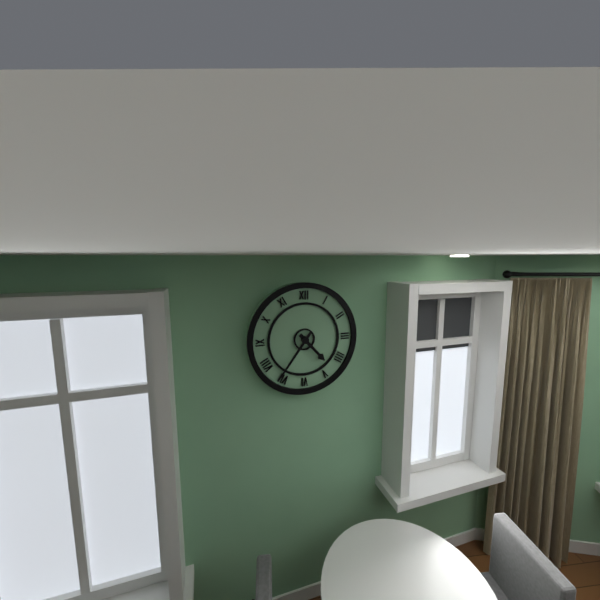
4h36
